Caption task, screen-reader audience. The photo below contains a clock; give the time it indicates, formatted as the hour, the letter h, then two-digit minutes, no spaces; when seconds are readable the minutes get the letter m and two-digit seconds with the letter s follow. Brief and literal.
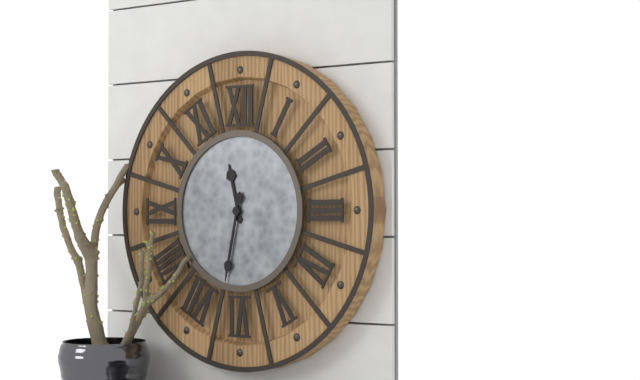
11h32
